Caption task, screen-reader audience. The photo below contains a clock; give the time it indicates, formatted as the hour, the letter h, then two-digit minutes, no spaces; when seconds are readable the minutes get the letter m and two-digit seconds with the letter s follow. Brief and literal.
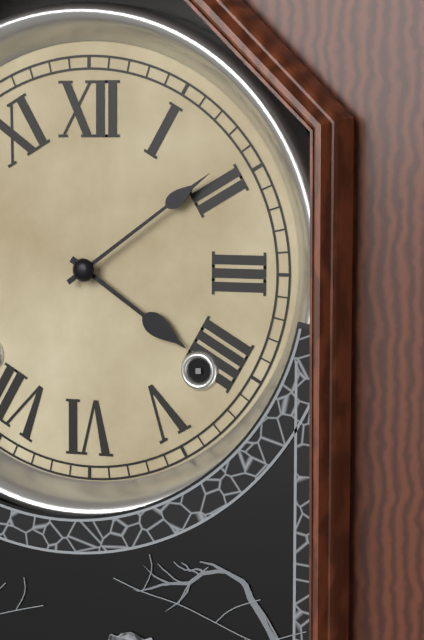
4h09
